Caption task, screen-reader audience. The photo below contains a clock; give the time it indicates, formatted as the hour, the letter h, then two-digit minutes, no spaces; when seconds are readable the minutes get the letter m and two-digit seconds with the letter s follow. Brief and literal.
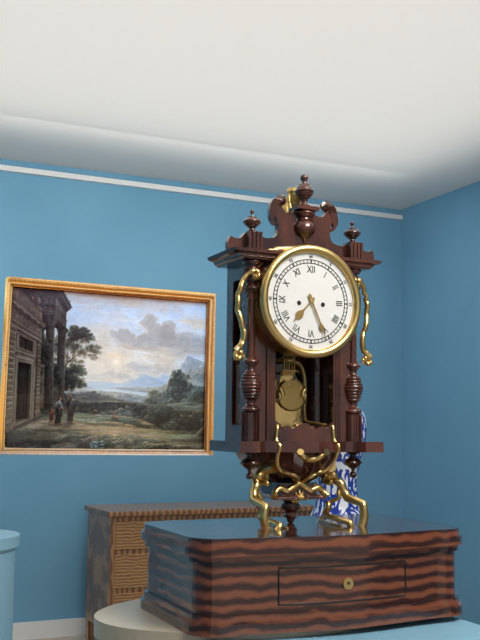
7h26
